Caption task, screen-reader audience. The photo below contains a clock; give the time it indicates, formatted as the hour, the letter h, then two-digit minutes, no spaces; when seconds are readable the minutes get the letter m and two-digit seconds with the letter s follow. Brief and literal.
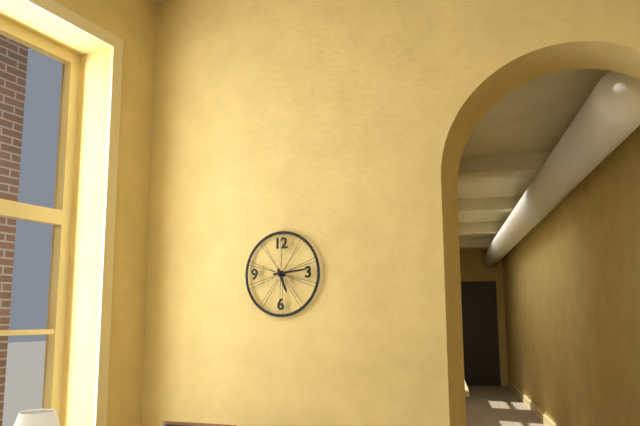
5h14
